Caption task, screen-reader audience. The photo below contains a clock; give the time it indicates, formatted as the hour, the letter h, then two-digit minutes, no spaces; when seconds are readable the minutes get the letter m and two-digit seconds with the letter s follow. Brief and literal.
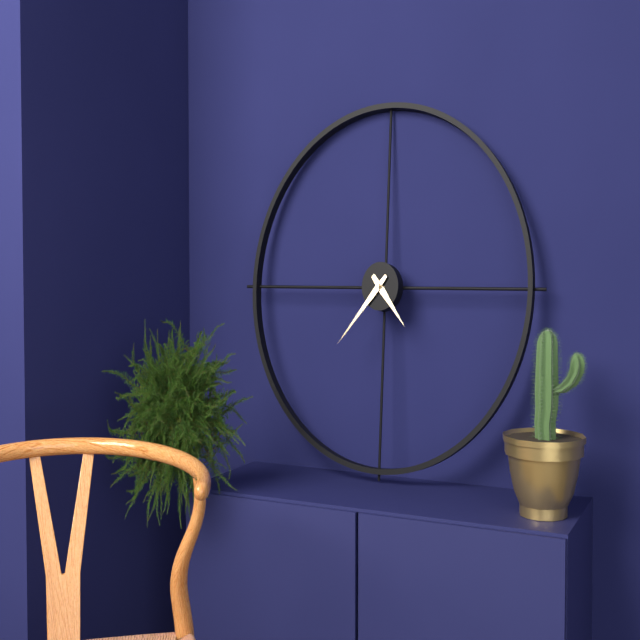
4h37
